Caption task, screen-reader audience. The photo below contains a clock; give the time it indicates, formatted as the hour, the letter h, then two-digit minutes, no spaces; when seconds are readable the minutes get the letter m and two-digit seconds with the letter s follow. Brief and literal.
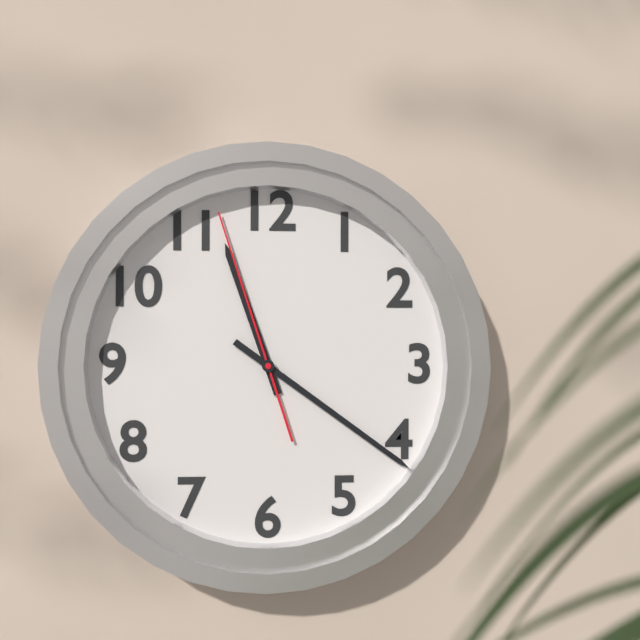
11h21m57s
